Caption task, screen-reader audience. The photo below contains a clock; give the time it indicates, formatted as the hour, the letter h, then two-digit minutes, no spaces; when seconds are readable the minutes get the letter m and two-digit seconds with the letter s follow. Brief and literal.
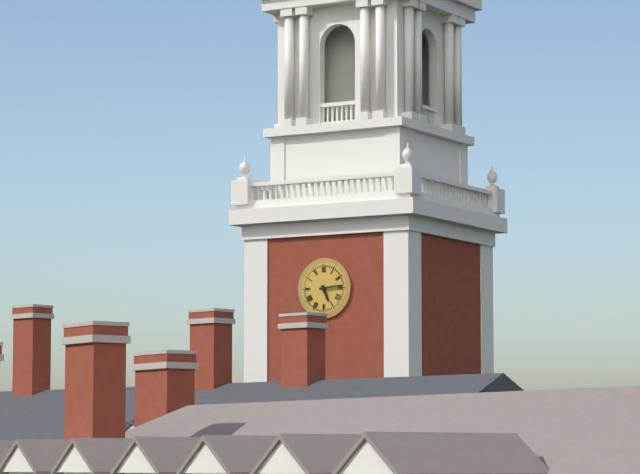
5h14
